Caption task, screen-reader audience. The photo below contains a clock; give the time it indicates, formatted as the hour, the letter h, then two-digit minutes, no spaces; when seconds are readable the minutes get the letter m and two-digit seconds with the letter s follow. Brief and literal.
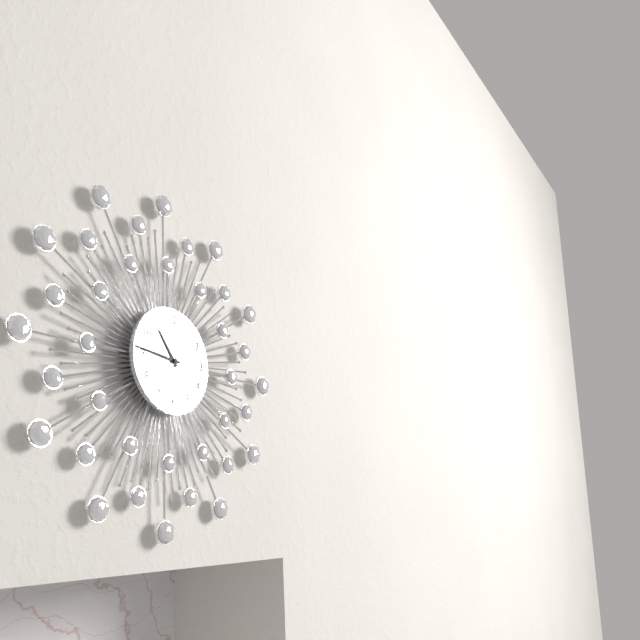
10h46m03s
